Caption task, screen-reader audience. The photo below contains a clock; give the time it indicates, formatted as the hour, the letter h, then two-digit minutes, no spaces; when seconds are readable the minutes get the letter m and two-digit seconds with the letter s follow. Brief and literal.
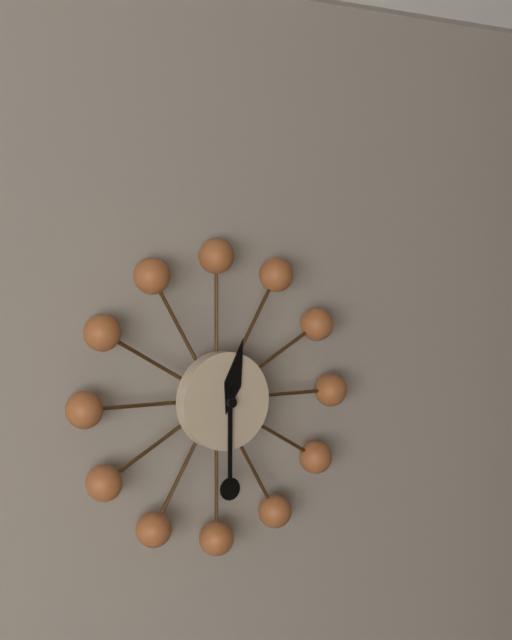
12h30
